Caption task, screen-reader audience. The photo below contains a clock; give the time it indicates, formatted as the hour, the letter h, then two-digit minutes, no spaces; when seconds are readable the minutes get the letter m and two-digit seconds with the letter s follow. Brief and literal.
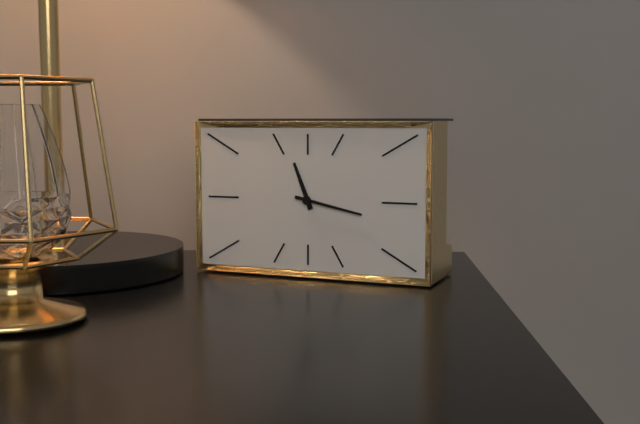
11h17
